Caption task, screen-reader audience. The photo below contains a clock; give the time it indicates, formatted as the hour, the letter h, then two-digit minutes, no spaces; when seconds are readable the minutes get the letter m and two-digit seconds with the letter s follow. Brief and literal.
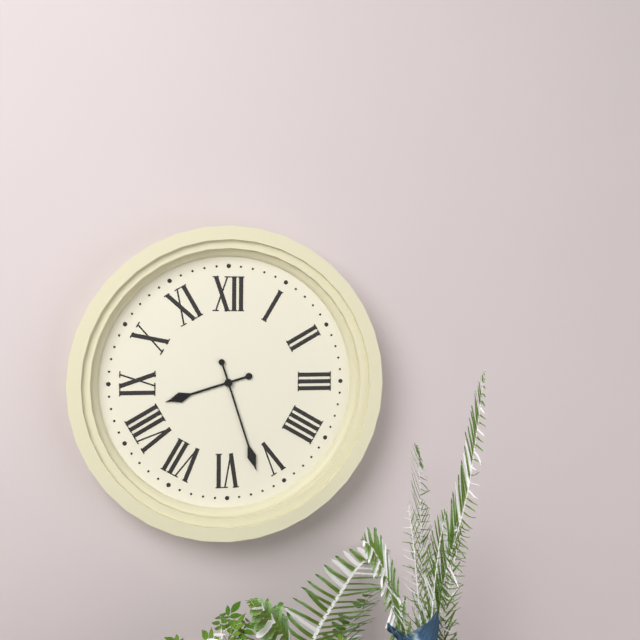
8h27
